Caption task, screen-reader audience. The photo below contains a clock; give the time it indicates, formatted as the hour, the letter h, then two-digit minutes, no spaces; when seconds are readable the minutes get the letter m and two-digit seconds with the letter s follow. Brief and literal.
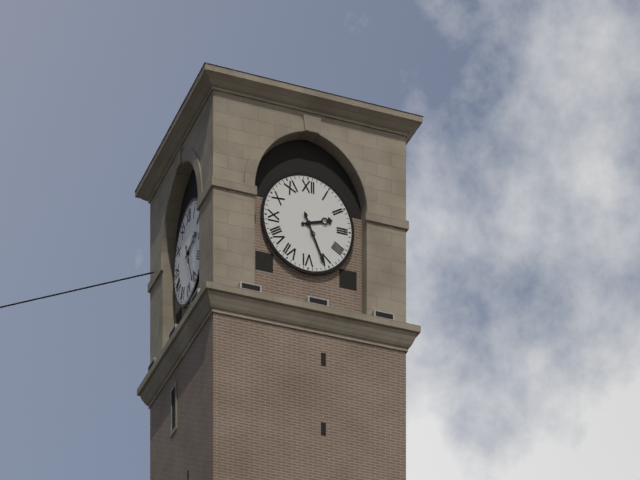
2h26
